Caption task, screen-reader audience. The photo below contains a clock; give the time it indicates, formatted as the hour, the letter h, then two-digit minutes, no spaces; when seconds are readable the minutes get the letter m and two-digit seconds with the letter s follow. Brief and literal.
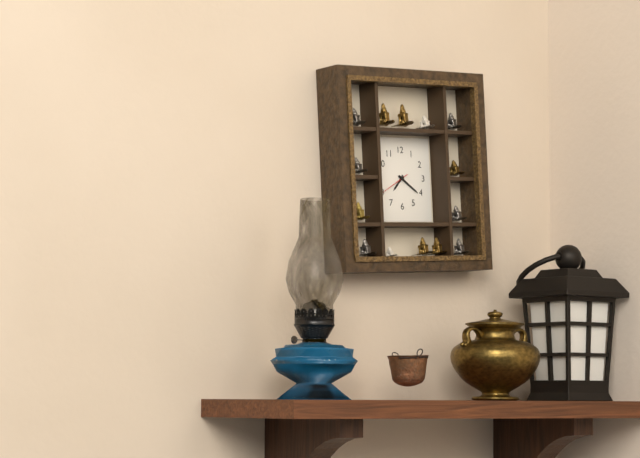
7h21
